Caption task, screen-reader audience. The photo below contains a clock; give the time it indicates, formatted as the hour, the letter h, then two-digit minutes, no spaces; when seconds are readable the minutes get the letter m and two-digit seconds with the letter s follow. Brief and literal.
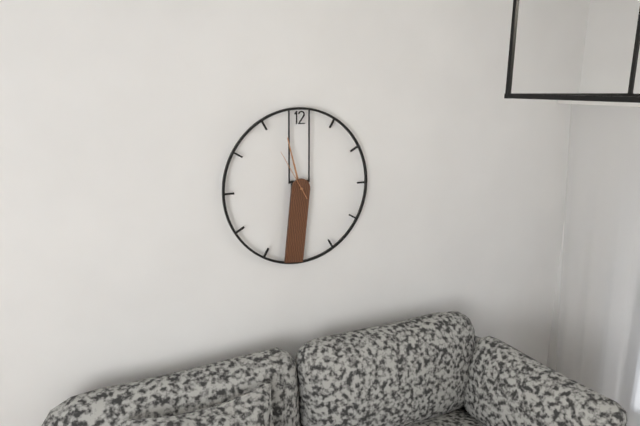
11h31
